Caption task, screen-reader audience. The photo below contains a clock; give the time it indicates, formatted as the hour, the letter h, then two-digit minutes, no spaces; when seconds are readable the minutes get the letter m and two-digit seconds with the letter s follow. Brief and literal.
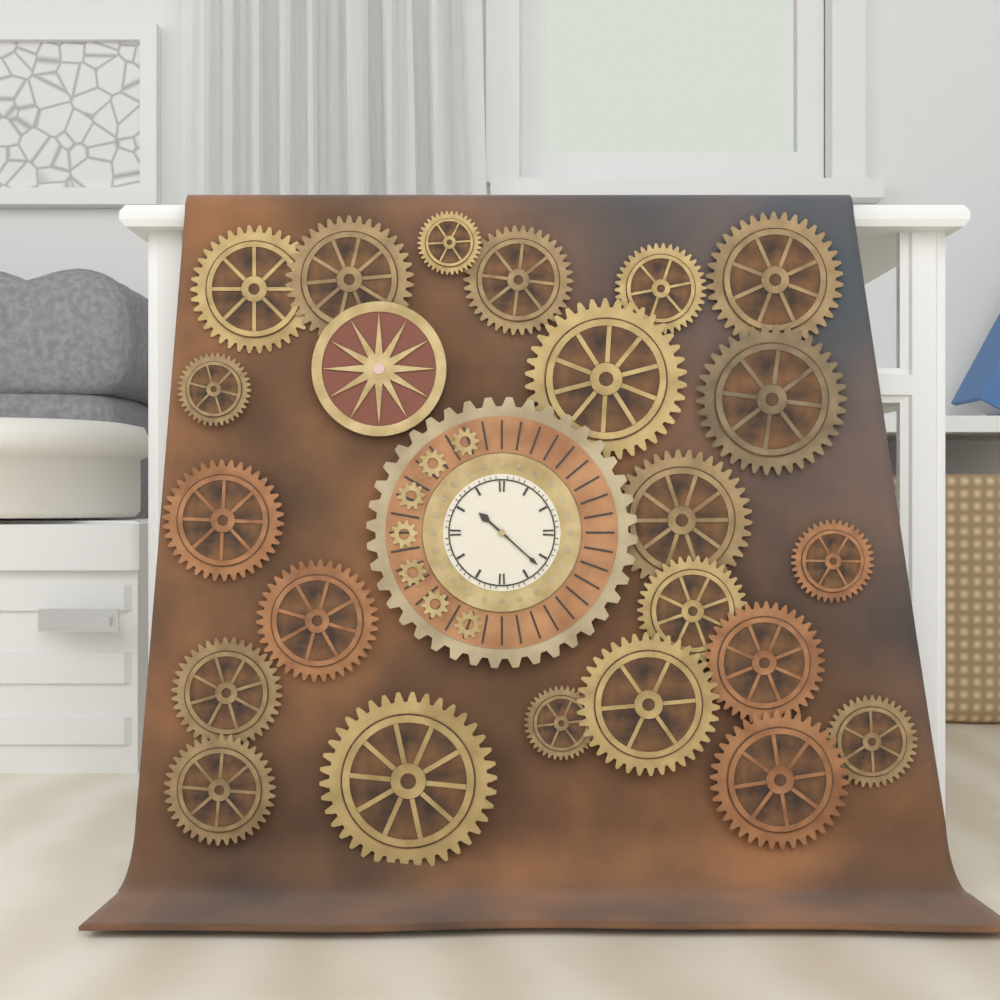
10h22
